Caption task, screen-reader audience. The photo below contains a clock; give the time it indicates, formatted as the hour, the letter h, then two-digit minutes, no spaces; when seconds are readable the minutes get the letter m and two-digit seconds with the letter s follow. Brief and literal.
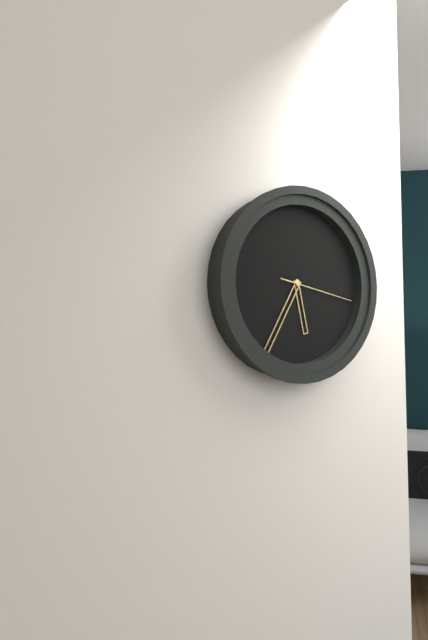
5h35m17s
